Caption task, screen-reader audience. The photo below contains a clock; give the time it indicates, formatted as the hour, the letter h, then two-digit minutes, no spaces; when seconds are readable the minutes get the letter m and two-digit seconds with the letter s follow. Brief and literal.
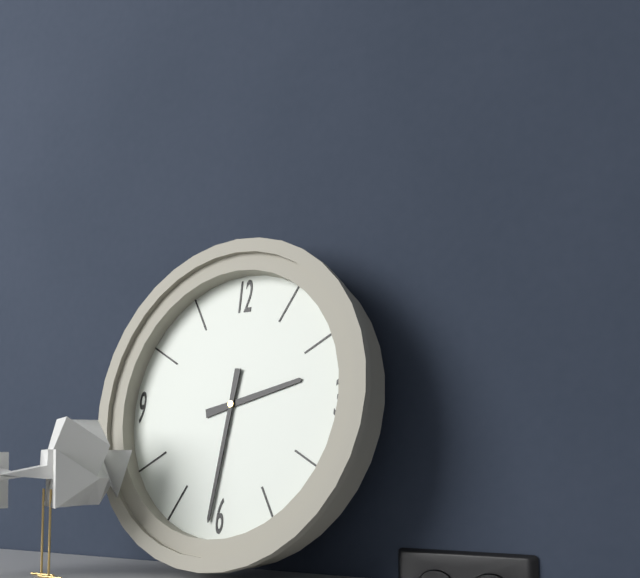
2h31
